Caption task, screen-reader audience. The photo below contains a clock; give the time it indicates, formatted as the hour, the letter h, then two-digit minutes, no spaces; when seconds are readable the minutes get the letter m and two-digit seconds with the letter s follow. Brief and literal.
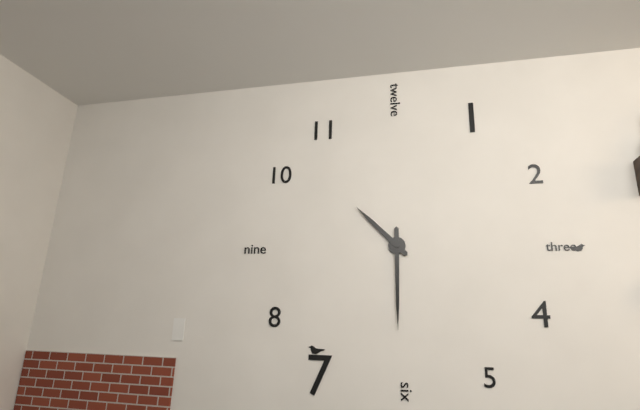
10h30
